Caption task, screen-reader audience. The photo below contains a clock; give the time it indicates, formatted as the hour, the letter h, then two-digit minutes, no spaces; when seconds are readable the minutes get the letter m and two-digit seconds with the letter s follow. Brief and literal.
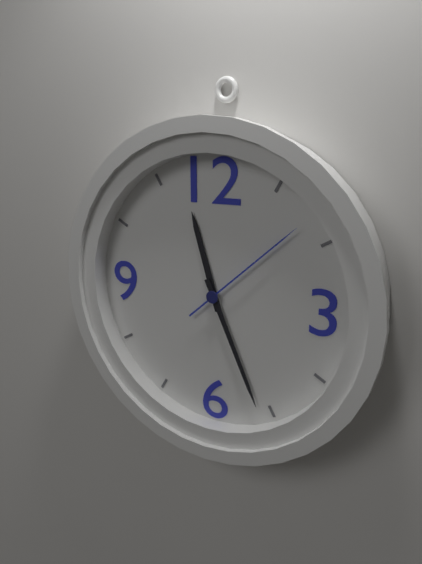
11h26m08s
